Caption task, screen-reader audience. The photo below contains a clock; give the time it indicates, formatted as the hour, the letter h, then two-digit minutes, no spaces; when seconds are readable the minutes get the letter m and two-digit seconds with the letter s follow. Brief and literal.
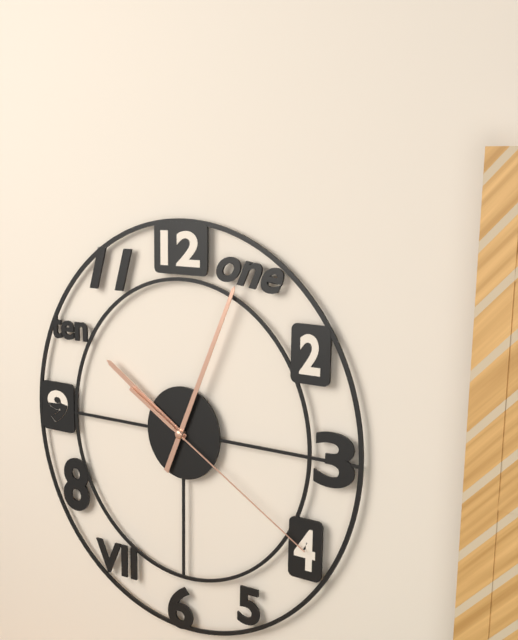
10h04m20s
